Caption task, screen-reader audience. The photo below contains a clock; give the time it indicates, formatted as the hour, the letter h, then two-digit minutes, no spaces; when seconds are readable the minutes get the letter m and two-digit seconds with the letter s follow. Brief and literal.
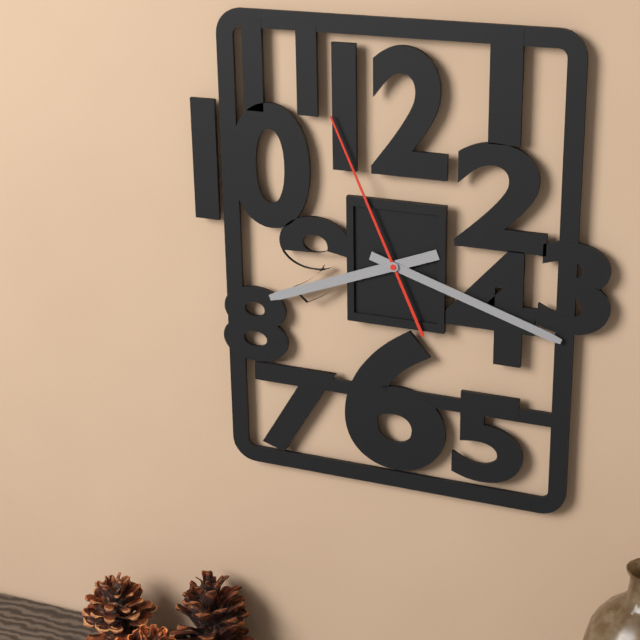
8h18m56s
